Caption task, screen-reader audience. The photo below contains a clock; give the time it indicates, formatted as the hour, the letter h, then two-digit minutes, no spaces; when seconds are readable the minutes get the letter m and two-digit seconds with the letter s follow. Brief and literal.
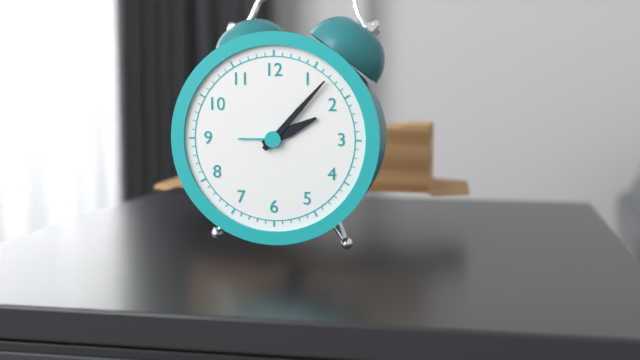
2h07
